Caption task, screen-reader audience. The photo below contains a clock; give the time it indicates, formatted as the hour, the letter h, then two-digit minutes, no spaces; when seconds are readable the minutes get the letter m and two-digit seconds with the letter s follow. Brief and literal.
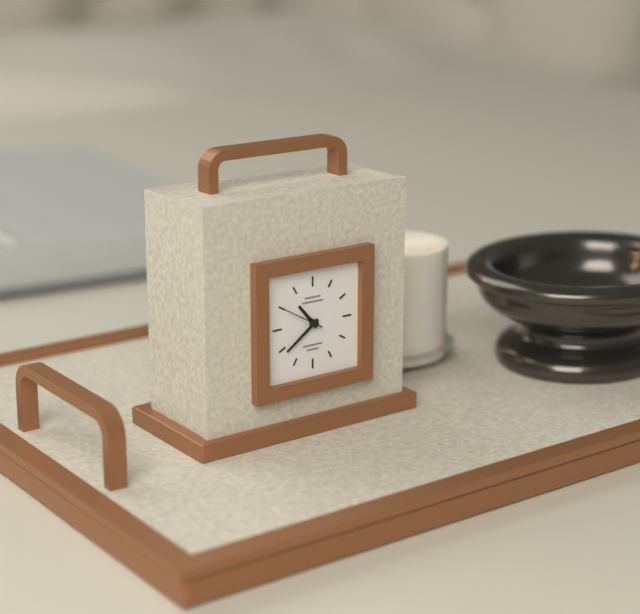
10h39
